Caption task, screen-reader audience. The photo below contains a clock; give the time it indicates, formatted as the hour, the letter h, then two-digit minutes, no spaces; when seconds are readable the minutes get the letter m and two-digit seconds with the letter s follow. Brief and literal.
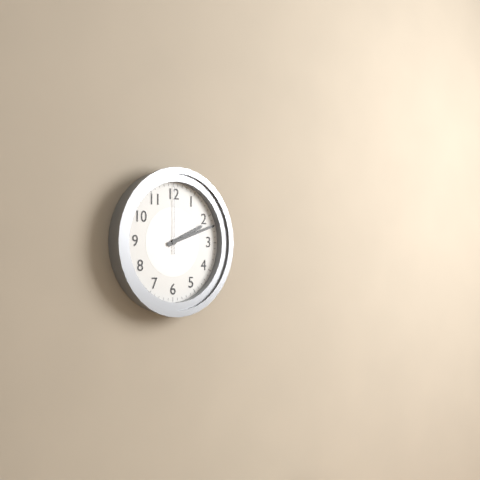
2h12m00s
